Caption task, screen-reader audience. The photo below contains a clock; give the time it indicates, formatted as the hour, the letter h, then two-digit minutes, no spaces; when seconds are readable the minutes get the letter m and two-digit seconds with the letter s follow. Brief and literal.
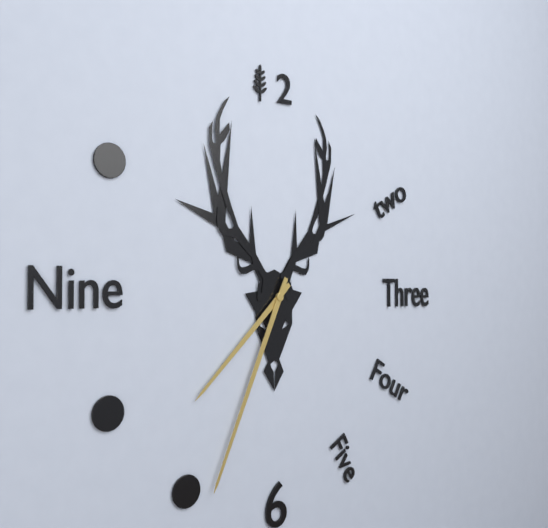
7h34
